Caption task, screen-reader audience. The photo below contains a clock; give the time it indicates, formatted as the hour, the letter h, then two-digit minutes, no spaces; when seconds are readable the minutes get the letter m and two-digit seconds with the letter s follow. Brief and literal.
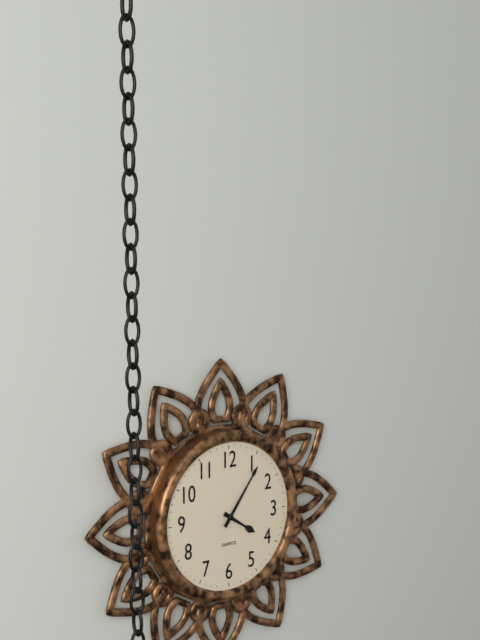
4h06
